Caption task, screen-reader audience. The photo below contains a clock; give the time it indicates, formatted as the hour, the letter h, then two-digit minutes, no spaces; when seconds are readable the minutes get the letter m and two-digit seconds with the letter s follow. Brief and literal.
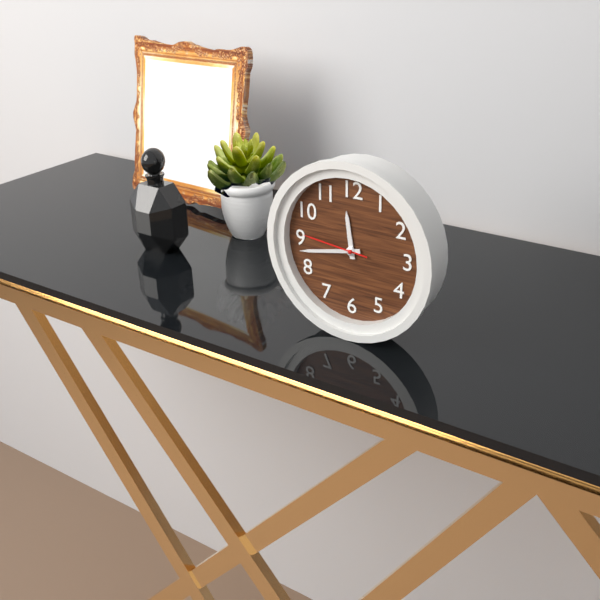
11h43m46s
